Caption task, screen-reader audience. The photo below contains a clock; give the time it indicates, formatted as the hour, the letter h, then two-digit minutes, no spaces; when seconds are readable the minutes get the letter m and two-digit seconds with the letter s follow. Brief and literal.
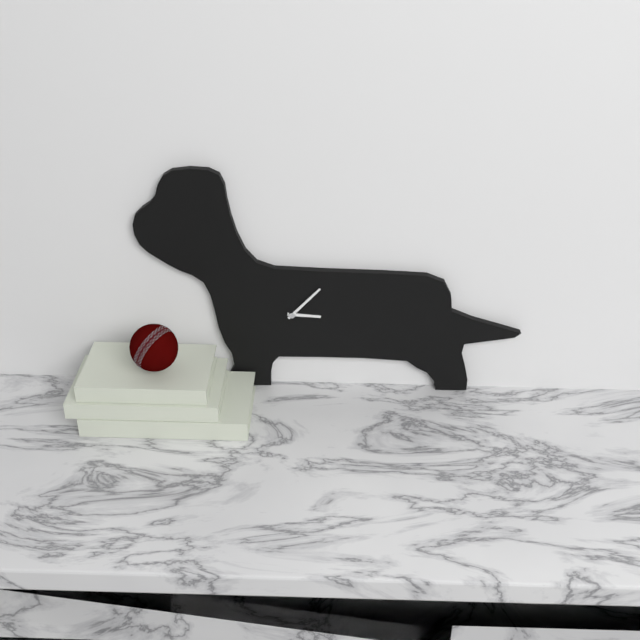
3h07
